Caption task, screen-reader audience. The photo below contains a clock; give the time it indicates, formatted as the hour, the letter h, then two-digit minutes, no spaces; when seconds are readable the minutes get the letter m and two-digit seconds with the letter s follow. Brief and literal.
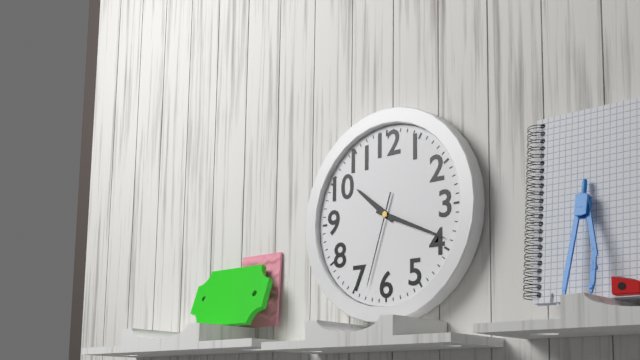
10h19m33s
